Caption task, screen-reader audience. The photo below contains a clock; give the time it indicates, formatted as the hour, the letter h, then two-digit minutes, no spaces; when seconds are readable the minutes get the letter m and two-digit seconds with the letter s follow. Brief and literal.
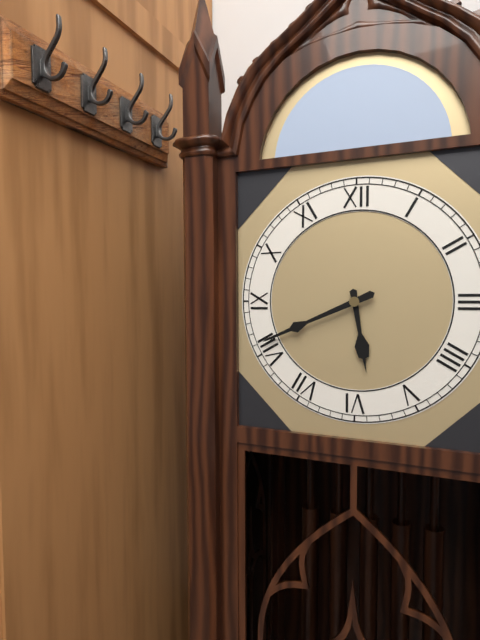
5h41
